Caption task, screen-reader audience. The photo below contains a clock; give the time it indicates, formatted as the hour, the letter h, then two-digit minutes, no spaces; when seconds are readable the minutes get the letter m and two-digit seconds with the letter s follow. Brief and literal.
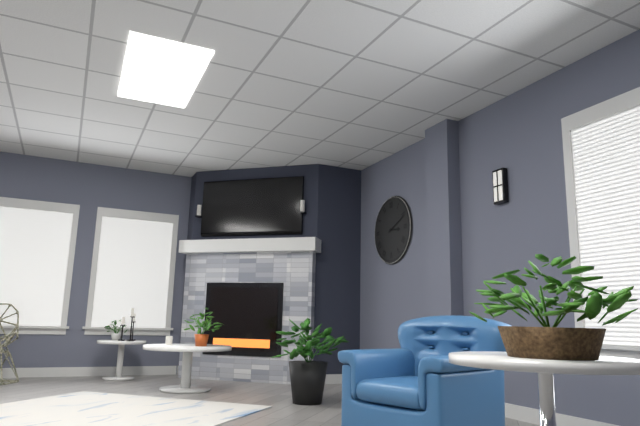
3h11
